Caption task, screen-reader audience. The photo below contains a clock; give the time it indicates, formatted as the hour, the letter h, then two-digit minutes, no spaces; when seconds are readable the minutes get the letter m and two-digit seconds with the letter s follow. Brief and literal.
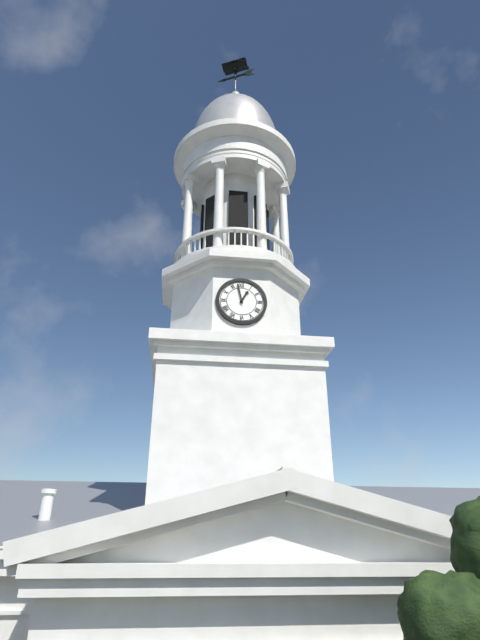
12h58
